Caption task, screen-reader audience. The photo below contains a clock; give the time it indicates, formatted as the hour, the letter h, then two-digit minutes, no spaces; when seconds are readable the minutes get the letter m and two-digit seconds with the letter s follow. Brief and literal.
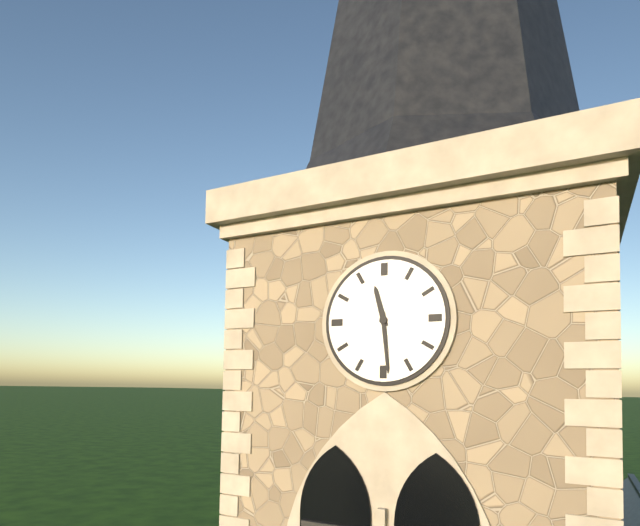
11h29
